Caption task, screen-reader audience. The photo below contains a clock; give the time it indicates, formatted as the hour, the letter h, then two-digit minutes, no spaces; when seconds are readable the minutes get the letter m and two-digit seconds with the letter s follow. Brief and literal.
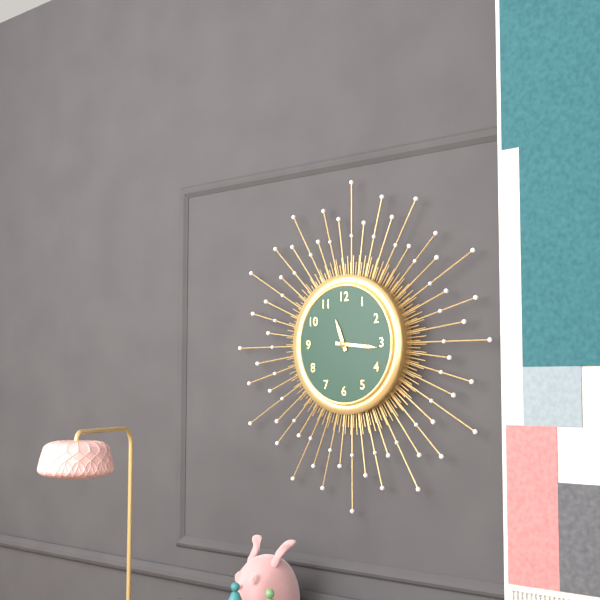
11h16
